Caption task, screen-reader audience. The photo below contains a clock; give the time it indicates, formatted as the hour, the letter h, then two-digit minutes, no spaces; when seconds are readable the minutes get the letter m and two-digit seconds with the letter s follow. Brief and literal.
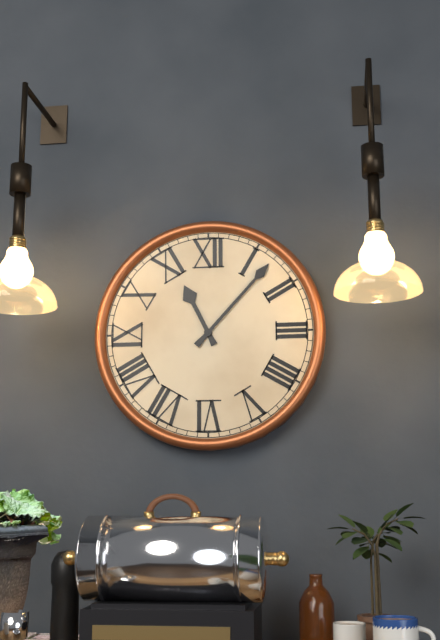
11h07
